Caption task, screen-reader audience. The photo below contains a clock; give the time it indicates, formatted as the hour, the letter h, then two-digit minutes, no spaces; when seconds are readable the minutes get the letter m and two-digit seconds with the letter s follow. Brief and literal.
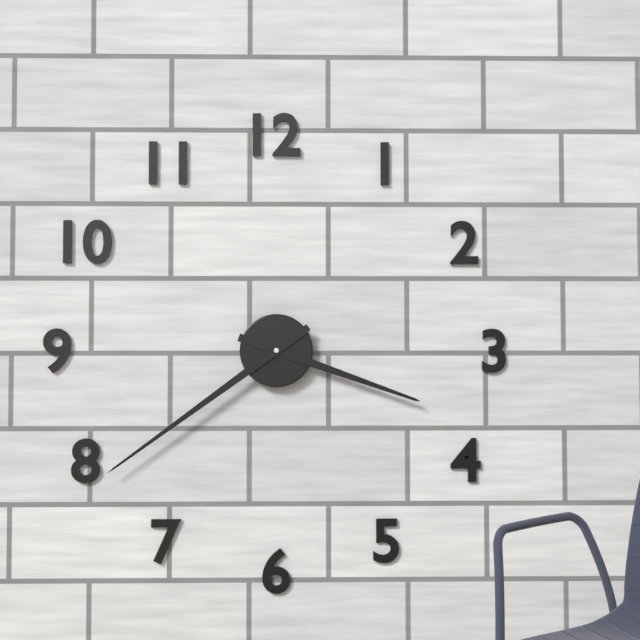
3h39
